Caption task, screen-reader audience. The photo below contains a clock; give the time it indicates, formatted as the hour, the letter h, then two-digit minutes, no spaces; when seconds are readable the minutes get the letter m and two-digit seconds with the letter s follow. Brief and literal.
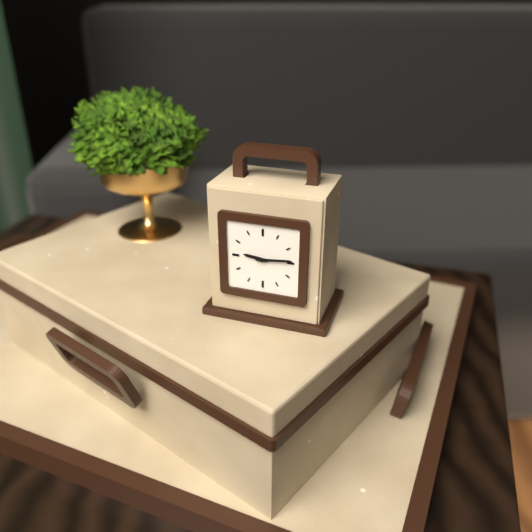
9h14
